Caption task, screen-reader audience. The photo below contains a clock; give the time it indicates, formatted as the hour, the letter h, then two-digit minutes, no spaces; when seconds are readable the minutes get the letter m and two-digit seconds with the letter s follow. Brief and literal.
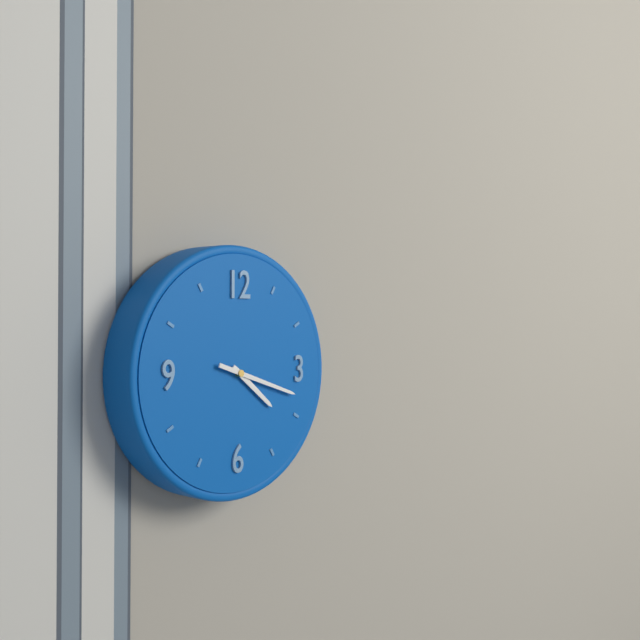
4h18
